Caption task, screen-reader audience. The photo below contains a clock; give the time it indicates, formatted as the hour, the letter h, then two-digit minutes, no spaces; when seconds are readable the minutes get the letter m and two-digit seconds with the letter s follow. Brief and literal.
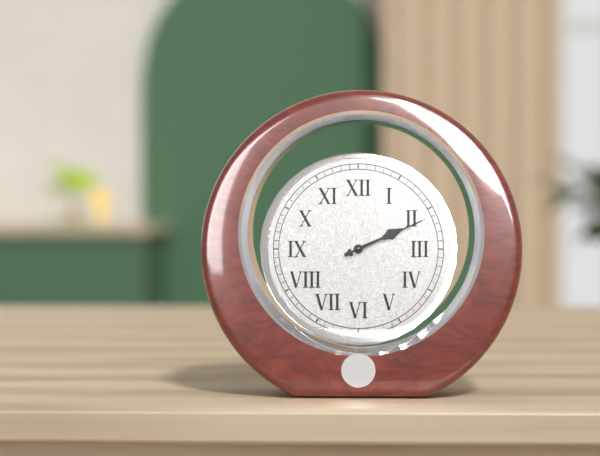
2h11
